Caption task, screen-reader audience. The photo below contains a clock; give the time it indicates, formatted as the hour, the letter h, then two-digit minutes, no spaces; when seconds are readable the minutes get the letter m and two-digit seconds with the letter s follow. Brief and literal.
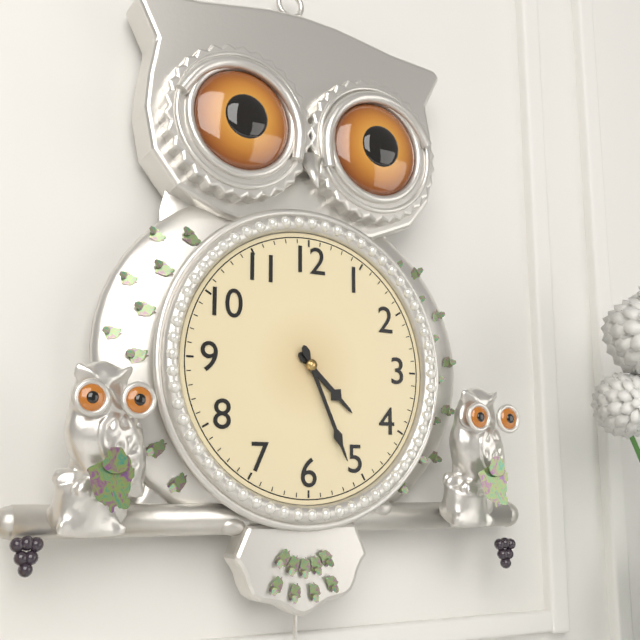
4h26
